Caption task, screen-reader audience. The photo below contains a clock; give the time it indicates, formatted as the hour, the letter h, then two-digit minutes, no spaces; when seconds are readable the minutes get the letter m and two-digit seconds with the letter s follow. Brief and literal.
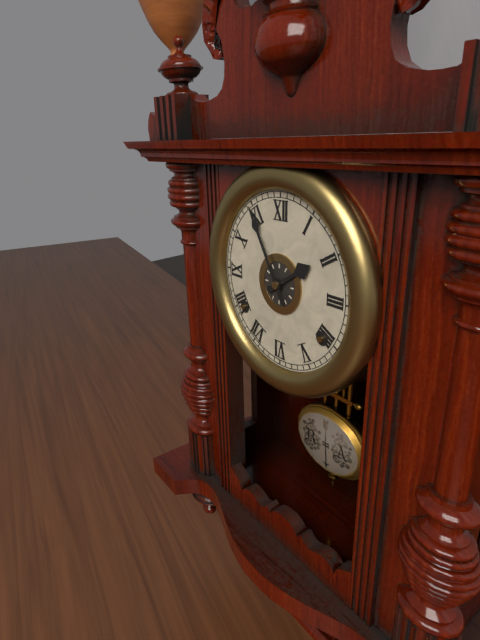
1h55
